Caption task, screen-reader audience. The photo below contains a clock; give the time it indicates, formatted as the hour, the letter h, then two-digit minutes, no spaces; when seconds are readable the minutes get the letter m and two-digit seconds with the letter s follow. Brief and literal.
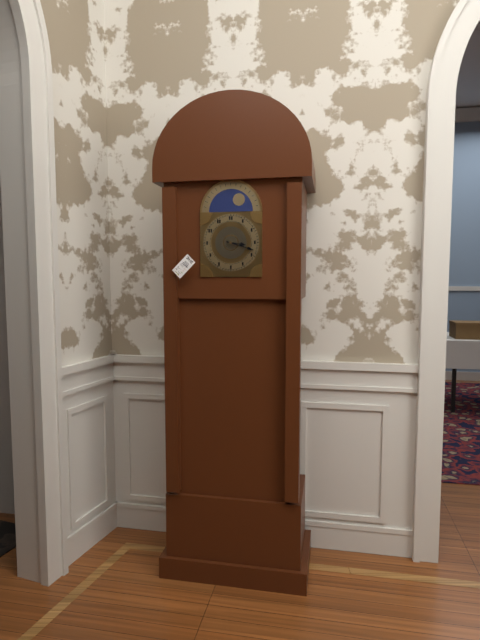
3h18
